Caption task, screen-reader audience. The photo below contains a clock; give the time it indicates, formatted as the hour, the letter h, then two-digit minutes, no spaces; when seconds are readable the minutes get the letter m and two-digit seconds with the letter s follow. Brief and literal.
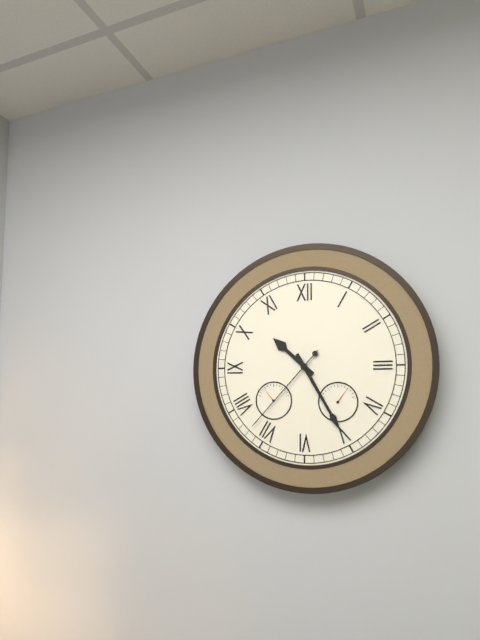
10h25m37s
